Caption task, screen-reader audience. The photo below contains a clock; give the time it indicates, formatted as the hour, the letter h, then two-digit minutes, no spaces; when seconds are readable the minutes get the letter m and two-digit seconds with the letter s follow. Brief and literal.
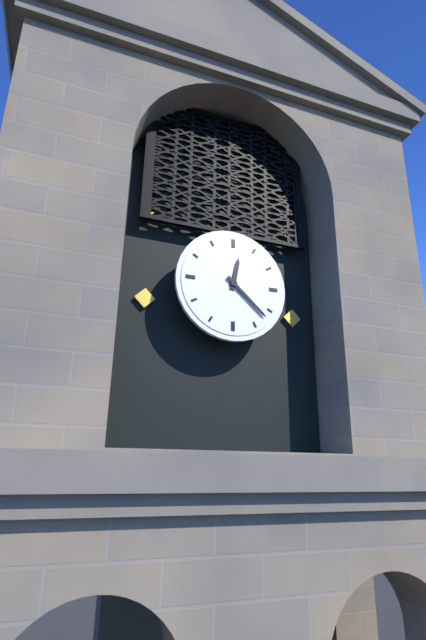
12h22
